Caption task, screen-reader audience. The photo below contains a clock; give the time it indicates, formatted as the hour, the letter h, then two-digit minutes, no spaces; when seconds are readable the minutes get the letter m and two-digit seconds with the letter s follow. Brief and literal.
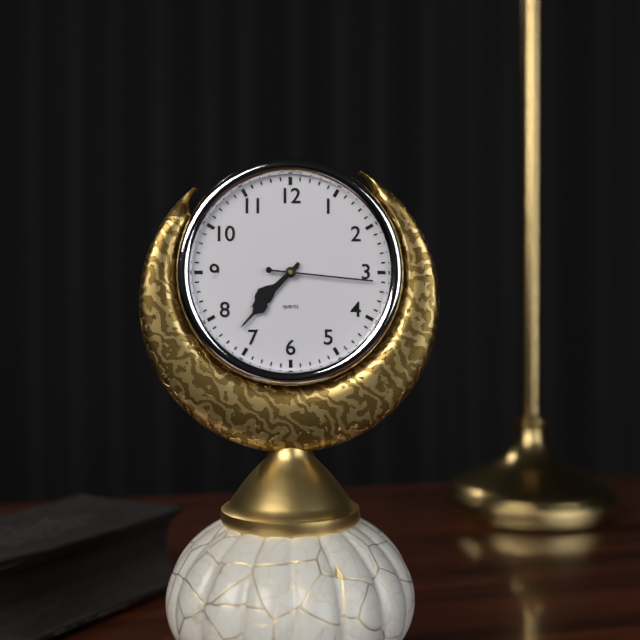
7h37m16s
